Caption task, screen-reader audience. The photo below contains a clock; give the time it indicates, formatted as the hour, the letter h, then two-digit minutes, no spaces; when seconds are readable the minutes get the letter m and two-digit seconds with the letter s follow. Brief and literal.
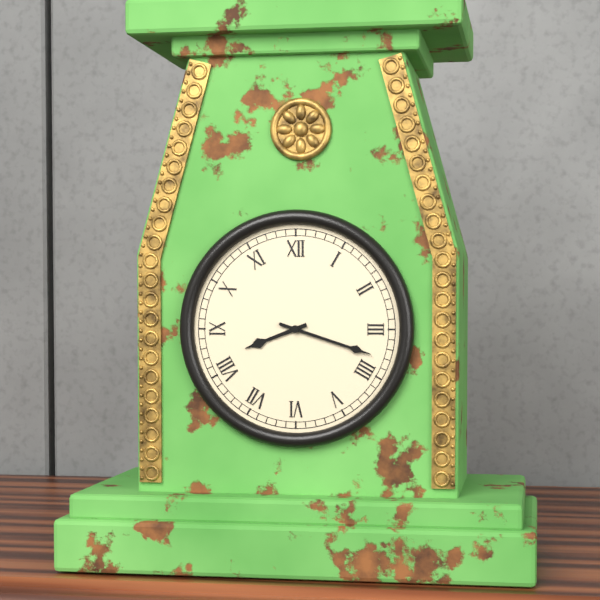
8h18
